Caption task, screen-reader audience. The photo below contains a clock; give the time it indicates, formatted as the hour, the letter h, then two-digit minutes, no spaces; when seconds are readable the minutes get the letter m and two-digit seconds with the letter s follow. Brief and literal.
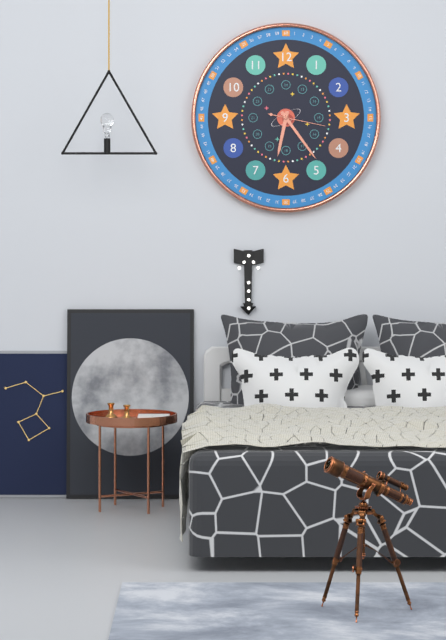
6h24m17s
